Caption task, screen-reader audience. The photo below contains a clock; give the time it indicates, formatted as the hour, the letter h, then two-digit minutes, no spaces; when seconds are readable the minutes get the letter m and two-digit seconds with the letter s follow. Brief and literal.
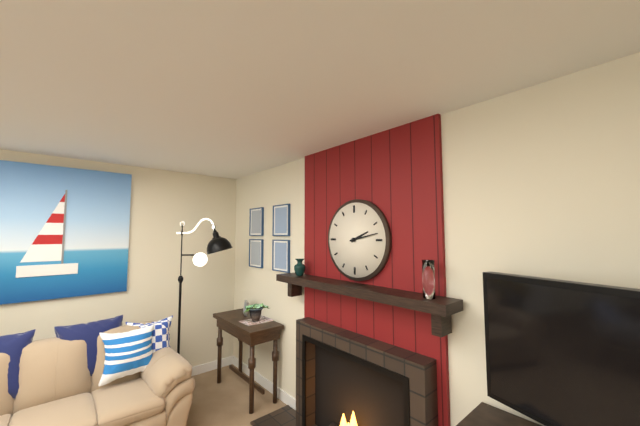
2h13
